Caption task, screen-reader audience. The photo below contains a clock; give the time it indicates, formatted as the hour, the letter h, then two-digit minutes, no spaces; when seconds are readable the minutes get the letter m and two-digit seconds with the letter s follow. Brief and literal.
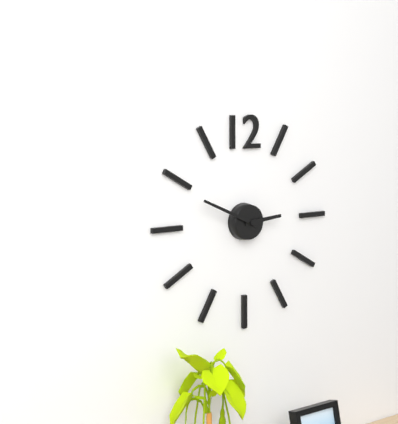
2h49
